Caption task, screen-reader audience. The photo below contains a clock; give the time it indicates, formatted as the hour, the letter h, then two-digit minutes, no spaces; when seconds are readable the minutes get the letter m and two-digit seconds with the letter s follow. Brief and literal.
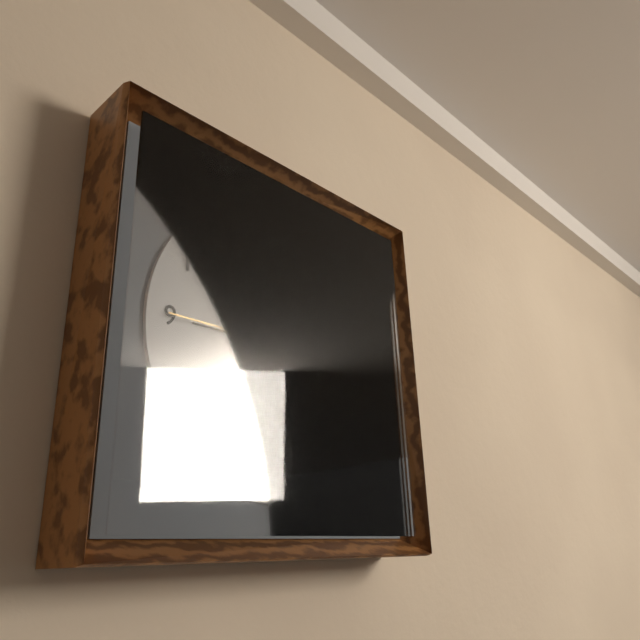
6h08m45s
